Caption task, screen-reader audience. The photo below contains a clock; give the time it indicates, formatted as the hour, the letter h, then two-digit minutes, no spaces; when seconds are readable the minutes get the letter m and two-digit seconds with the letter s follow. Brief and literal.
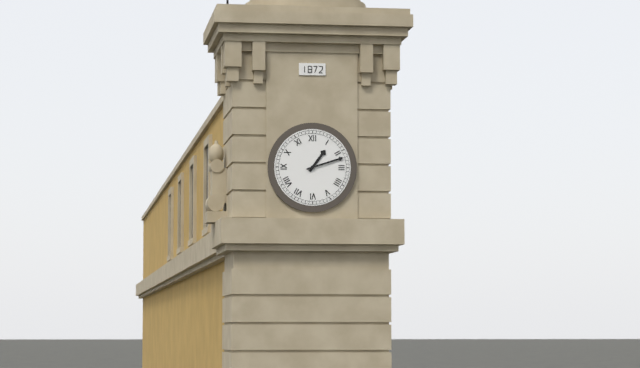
1h12
